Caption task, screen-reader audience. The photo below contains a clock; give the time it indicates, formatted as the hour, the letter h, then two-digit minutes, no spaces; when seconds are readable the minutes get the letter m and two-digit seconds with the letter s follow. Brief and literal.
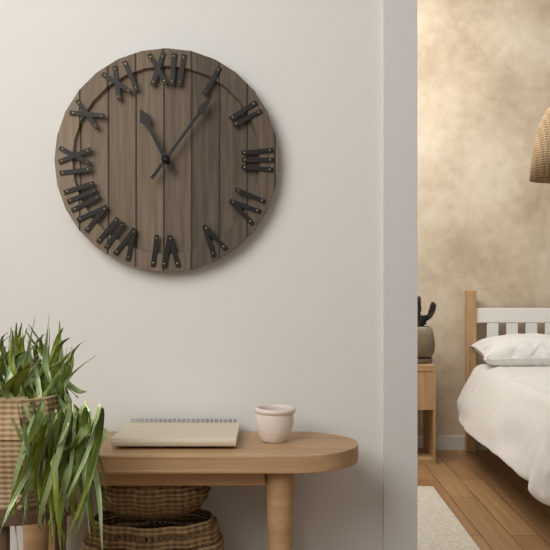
11h06
